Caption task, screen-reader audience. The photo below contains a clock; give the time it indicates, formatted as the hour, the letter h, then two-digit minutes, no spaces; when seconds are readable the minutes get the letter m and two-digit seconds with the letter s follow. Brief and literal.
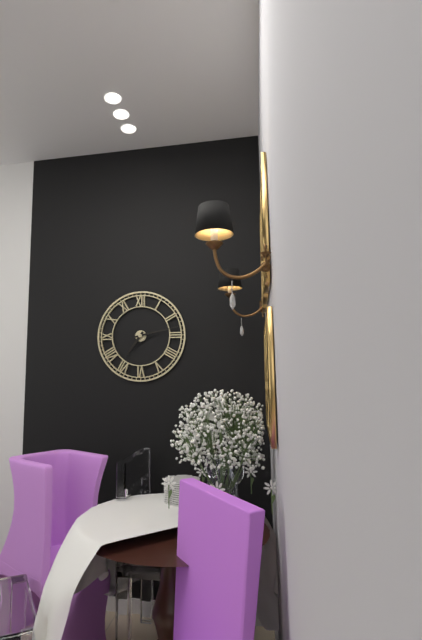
7h13
